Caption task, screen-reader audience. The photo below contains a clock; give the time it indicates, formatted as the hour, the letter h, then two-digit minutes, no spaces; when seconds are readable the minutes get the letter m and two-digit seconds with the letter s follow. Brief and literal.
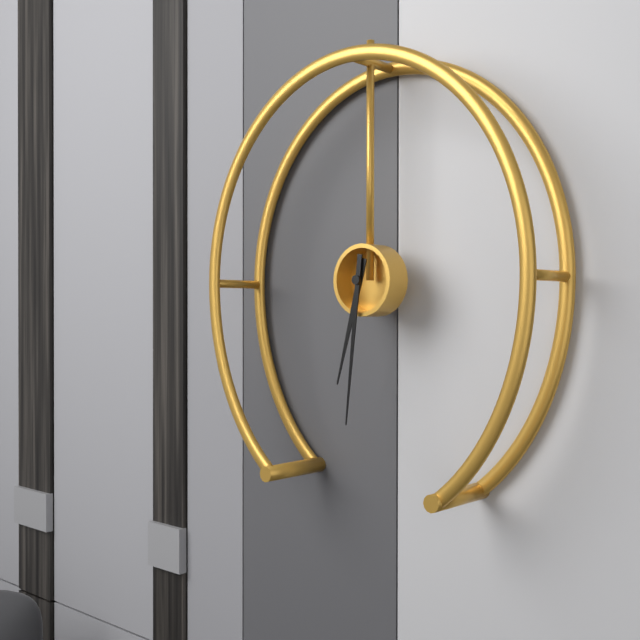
6h31
